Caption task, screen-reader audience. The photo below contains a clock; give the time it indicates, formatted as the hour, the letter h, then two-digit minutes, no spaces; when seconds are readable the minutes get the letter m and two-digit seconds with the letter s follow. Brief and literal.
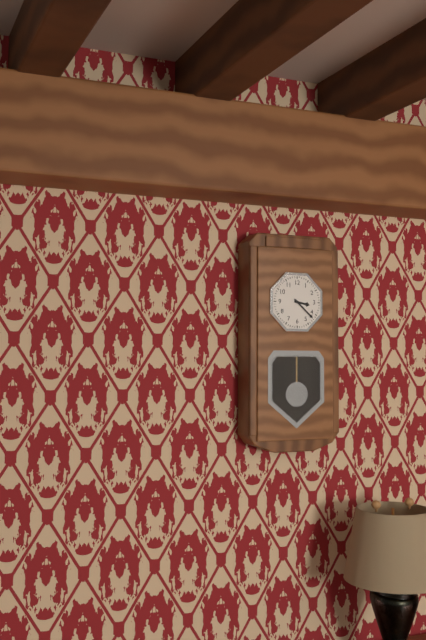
3h22
